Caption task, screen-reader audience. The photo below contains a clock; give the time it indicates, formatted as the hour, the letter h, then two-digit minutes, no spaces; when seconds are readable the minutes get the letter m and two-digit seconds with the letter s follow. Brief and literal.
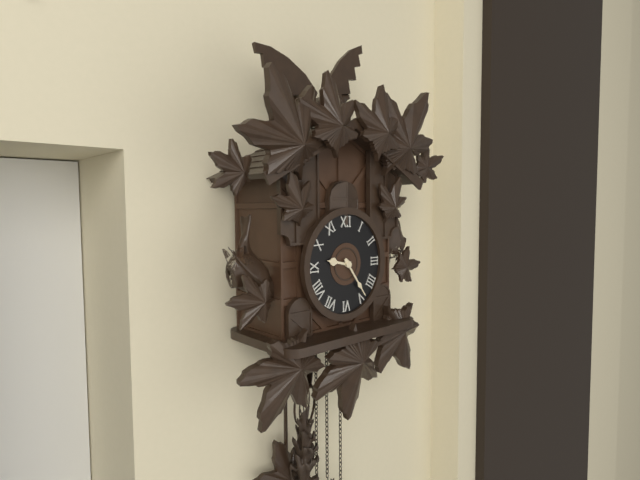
9h24
